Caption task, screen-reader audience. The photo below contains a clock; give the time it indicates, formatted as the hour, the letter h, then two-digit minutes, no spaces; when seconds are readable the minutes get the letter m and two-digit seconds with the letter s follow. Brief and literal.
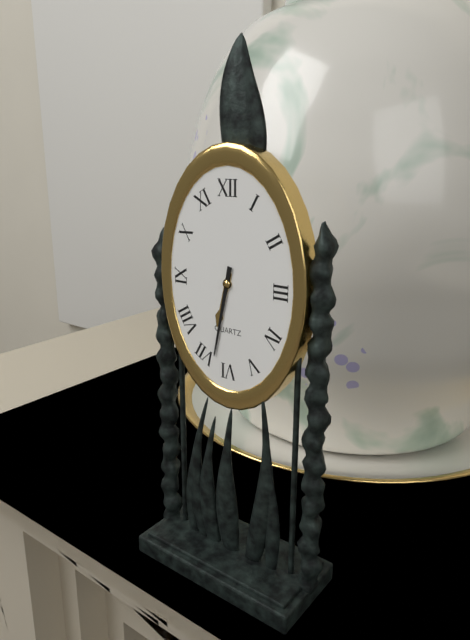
6h32
